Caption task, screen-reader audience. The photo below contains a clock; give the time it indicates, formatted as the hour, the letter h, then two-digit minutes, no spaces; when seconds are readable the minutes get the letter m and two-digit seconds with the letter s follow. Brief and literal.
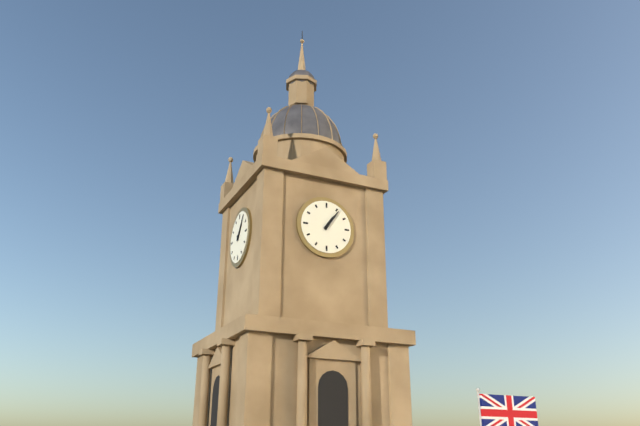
1h06
